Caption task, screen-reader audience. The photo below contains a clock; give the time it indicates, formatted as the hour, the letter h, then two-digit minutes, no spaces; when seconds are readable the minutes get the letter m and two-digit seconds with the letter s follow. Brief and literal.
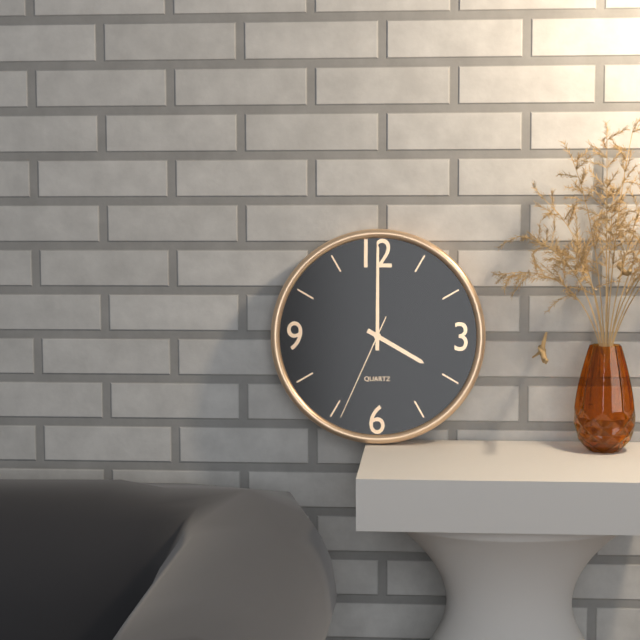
4h00m34s
